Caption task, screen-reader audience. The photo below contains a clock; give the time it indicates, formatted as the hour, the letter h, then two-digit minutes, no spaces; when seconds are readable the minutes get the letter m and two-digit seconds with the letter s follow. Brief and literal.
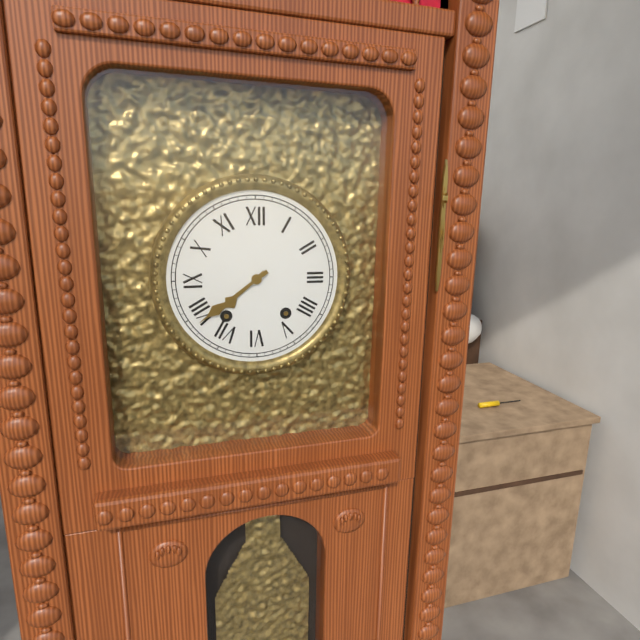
7h39
